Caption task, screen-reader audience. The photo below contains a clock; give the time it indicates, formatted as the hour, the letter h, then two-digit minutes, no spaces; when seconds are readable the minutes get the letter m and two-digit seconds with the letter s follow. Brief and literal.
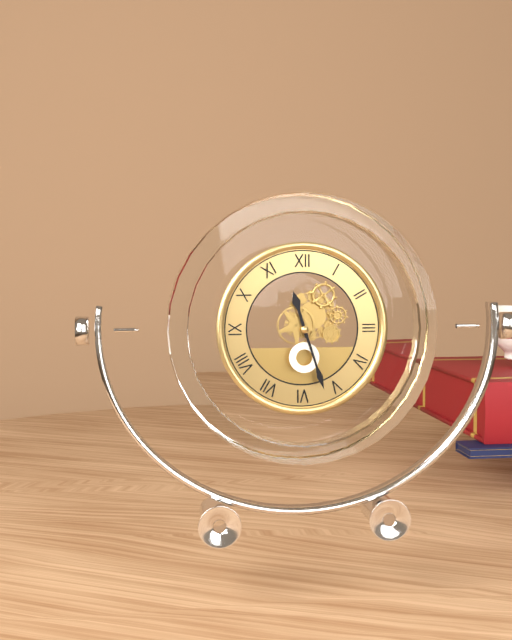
11h27
